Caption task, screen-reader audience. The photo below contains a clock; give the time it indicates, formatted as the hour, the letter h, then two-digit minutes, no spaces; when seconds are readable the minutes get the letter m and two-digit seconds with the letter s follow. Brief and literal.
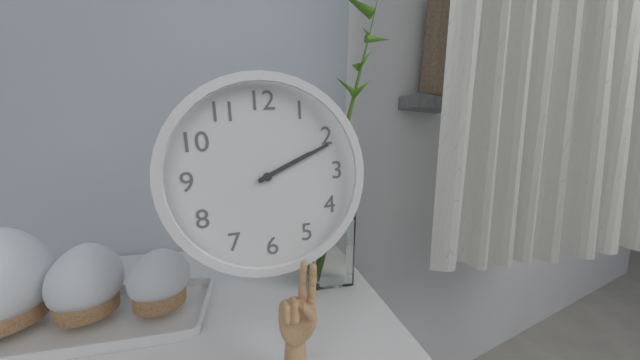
2h11
